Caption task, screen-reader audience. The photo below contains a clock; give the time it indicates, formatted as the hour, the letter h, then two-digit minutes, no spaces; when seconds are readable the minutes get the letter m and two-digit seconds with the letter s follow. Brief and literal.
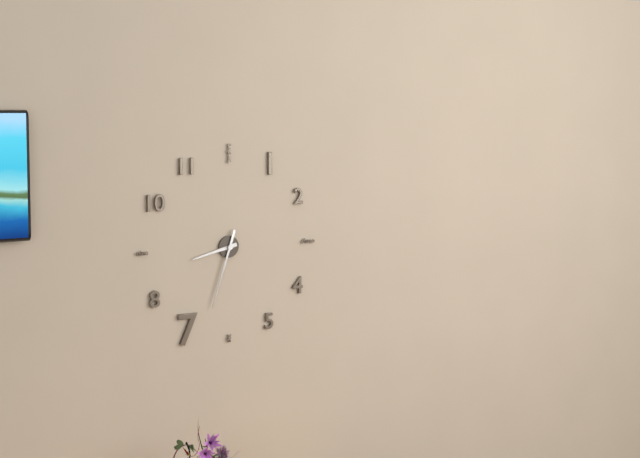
8h33
